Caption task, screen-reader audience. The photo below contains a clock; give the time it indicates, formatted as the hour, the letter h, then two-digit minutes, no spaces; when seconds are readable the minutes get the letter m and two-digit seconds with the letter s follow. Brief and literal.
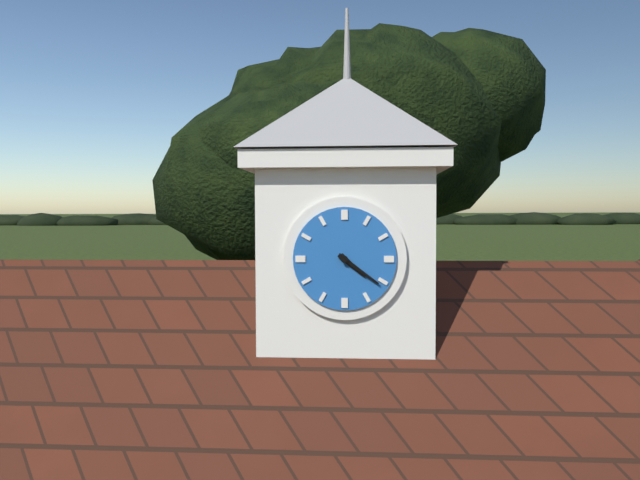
4h21
